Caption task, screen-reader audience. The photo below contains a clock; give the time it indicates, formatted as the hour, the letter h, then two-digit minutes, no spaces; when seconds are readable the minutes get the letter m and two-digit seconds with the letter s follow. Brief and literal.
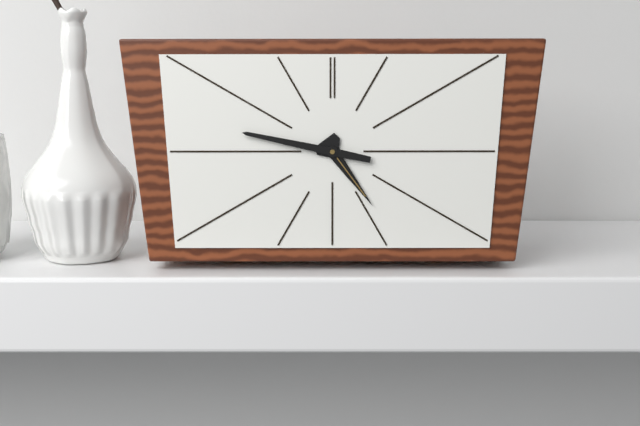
4h47
